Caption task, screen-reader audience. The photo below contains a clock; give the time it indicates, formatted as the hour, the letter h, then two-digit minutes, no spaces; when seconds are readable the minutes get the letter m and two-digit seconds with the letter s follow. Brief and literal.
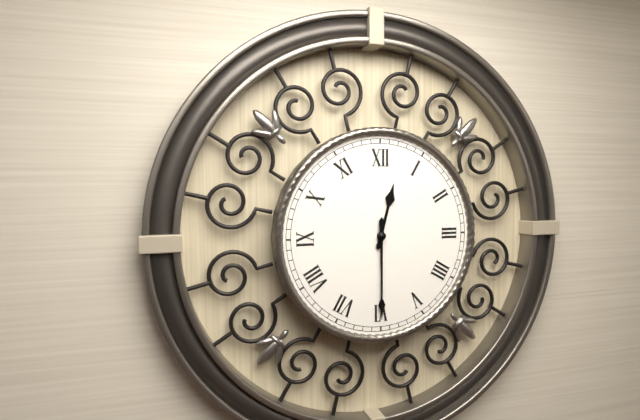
12h30
